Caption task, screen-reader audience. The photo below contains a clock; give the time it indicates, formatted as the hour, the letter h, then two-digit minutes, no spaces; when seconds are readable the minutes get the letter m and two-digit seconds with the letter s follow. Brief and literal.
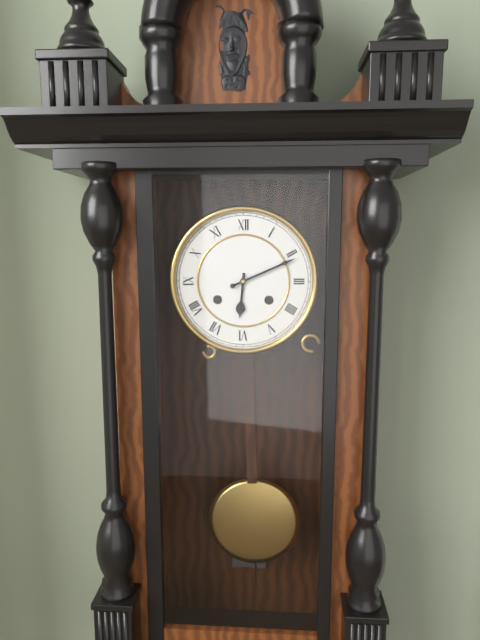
6h11
